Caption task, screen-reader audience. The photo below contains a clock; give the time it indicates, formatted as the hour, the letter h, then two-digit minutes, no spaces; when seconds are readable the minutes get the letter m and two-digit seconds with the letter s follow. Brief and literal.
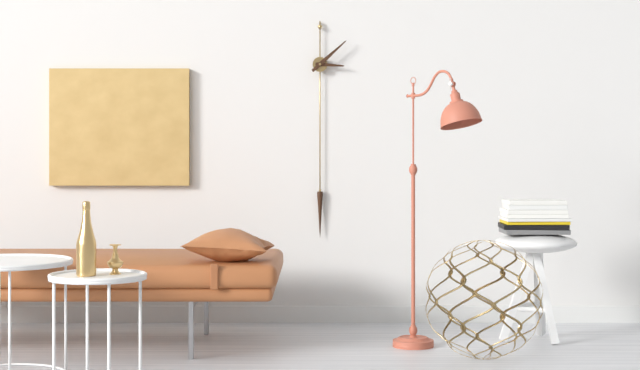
3h08
